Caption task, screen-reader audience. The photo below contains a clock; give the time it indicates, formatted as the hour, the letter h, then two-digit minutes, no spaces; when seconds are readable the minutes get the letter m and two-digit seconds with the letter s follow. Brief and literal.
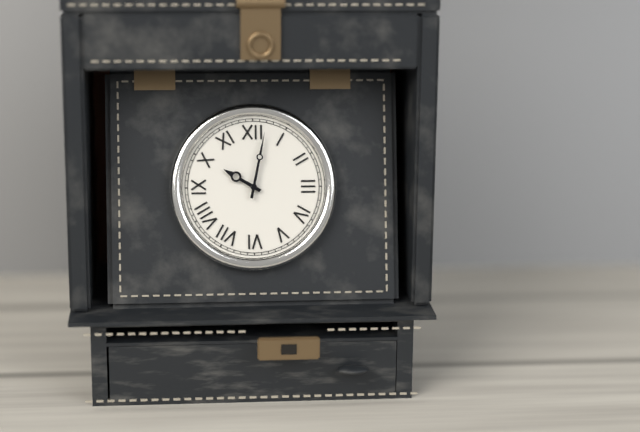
10h02
